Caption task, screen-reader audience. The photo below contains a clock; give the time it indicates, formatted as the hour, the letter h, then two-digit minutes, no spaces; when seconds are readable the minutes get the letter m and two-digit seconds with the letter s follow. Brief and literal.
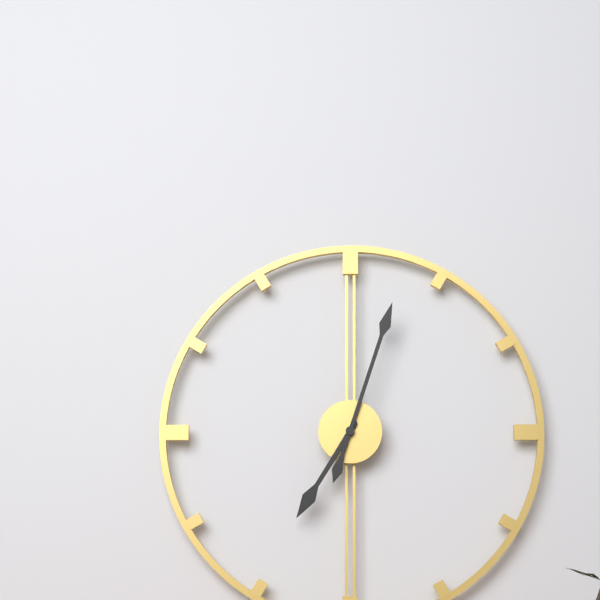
7h03
